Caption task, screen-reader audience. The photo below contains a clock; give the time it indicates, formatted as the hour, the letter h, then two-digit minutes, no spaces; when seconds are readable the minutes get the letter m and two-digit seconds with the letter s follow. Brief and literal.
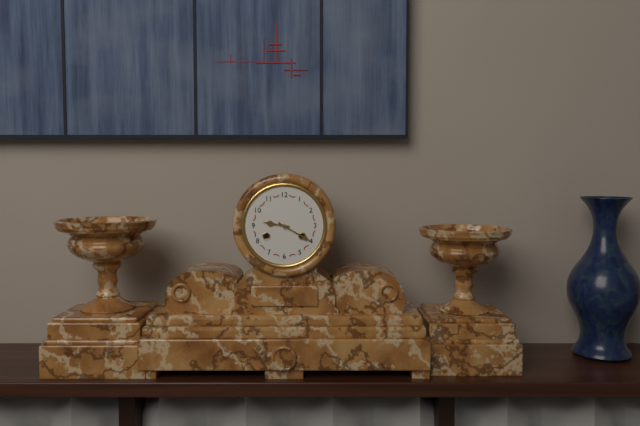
9h20
